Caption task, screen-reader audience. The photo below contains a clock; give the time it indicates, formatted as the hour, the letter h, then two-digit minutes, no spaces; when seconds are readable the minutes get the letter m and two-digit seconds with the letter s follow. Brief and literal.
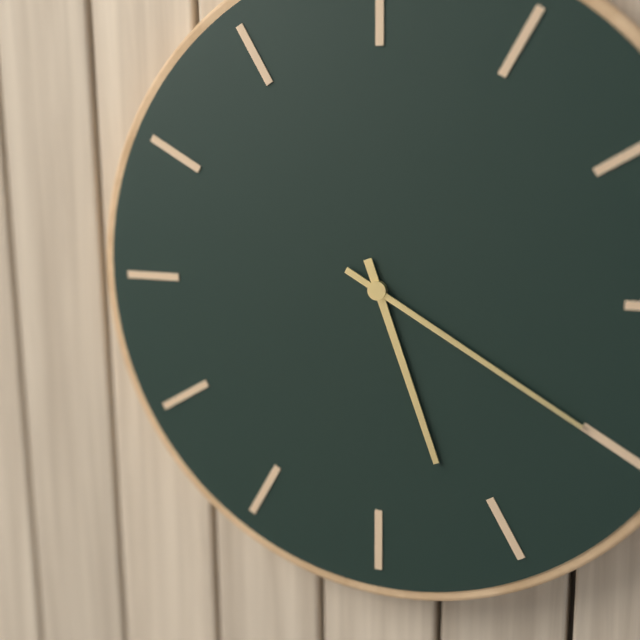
5h20
